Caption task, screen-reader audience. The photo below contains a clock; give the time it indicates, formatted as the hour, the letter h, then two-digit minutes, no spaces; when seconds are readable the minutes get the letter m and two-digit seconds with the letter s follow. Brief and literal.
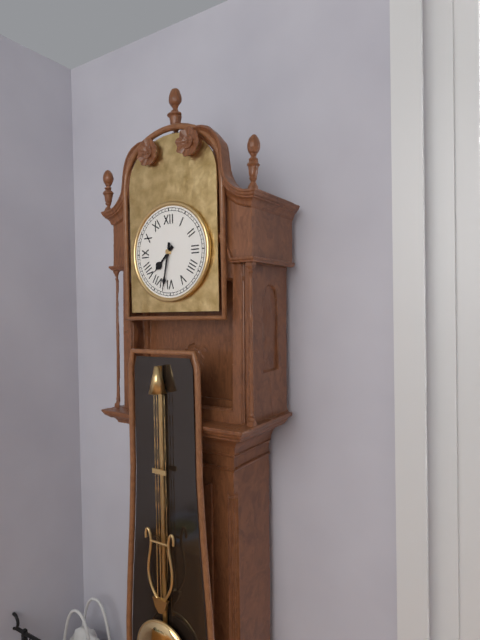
7h32
